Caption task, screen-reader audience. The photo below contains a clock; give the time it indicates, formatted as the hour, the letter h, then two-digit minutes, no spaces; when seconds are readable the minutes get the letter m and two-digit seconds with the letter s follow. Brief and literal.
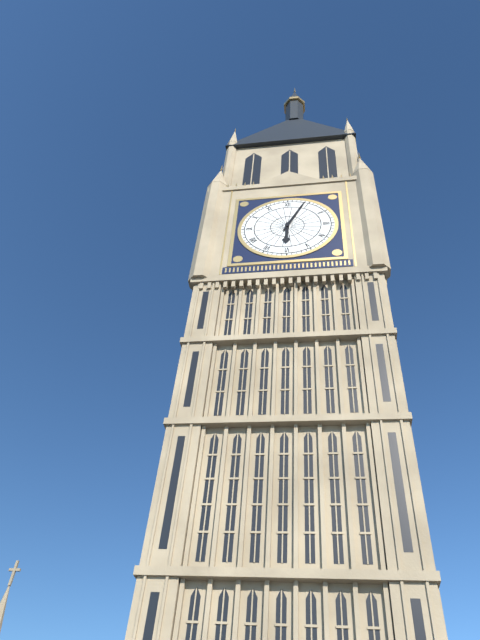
6h04
